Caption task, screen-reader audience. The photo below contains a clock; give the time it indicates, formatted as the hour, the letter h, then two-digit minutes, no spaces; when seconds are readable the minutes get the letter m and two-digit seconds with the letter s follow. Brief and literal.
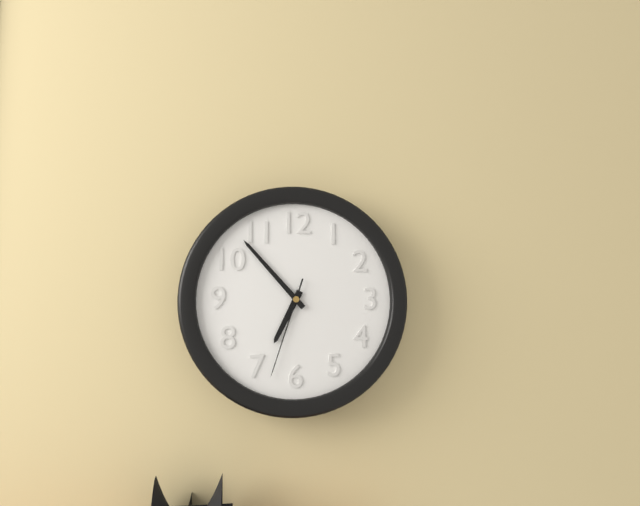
6h53m33s
